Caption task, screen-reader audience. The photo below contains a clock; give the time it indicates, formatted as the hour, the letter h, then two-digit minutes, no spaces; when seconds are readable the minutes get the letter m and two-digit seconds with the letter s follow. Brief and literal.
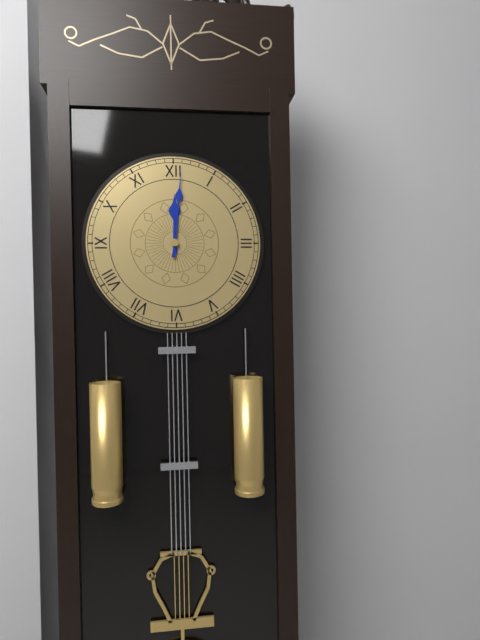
12h01
